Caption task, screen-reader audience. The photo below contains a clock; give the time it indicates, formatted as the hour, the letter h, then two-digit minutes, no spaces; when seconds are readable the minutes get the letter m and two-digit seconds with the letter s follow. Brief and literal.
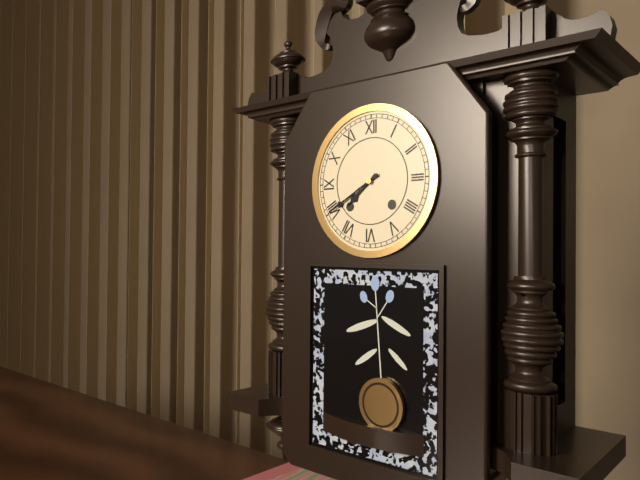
7h40
